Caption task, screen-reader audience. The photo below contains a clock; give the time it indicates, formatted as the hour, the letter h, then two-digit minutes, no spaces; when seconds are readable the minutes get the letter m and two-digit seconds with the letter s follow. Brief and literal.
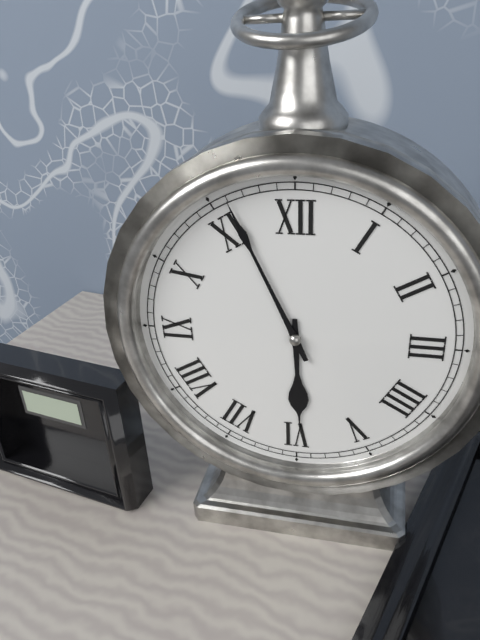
5h56
